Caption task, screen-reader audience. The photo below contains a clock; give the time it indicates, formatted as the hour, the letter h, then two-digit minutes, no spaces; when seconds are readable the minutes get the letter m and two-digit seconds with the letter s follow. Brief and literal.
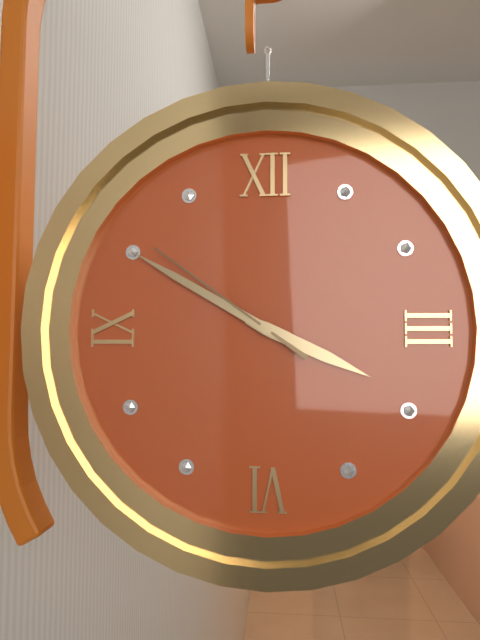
3h50m51s
